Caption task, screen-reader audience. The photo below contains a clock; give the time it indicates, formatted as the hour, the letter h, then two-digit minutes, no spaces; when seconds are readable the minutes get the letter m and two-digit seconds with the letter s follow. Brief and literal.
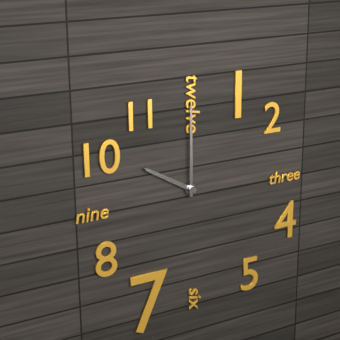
10h00
